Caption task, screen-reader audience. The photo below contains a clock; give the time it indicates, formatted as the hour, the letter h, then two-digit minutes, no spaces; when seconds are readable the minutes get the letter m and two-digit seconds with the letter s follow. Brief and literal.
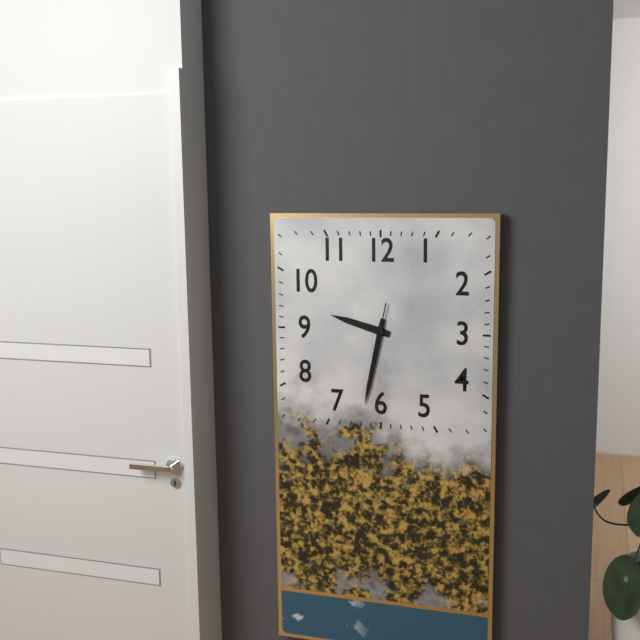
9h32m32s
